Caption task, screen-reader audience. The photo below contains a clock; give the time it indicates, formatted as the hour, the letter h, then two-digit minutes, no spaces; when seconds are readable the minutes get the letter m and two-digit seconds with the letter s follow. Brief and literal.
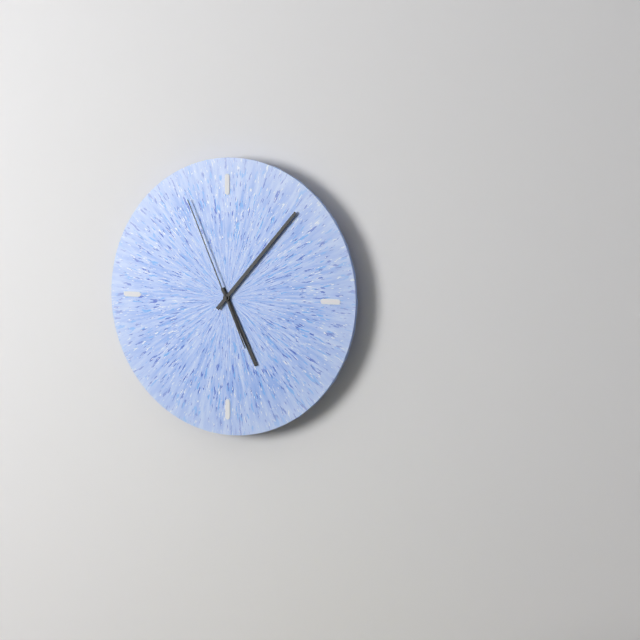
5h07m56s
